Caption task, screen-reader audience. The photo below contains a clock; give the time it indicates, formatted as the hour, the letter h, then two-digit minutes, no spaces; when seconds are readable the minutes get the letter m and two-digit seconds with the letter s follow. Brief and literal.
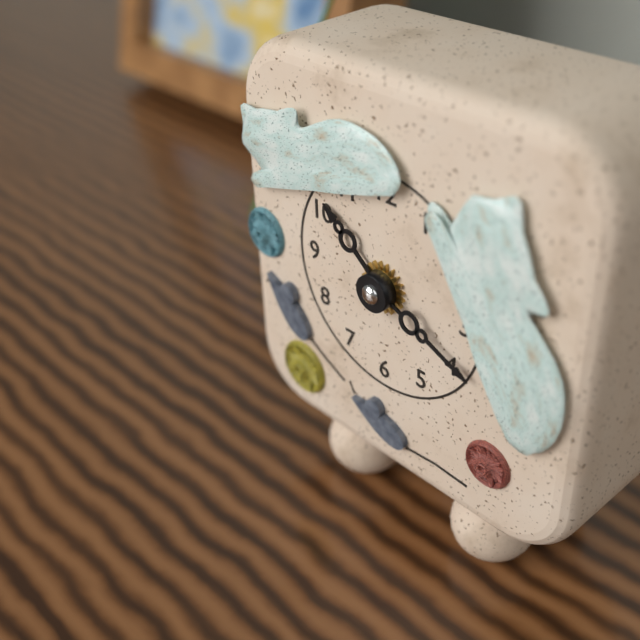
10h19
